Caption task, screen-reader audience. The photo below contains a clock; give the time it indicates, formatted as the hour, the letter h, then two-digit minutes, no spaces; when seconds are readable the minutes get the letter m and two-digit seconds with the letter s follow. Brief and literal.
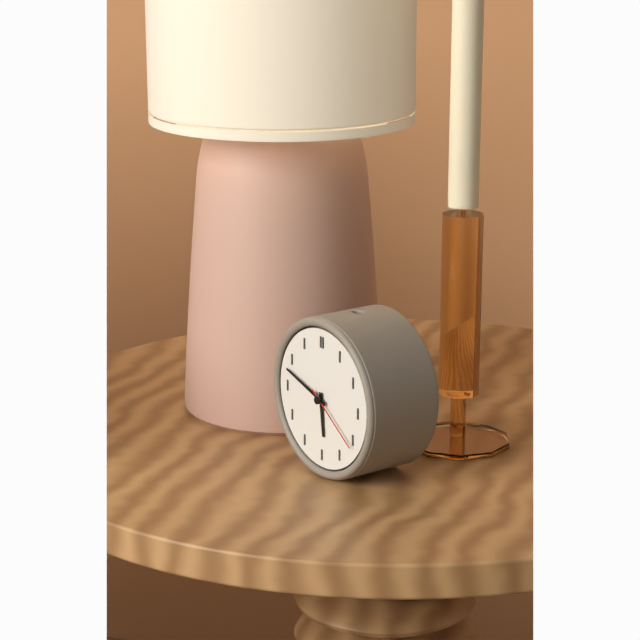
5h48m21s
